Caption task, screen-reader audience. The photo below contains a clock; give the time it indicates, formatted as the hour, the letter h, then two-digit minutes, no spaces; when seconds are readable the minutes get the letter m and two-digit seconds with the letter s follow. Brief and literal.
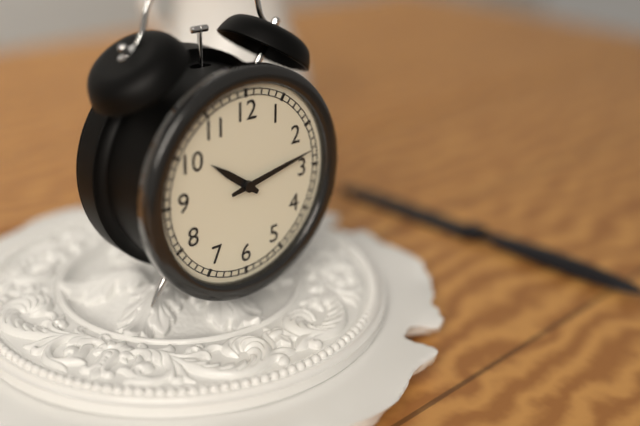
10h13
